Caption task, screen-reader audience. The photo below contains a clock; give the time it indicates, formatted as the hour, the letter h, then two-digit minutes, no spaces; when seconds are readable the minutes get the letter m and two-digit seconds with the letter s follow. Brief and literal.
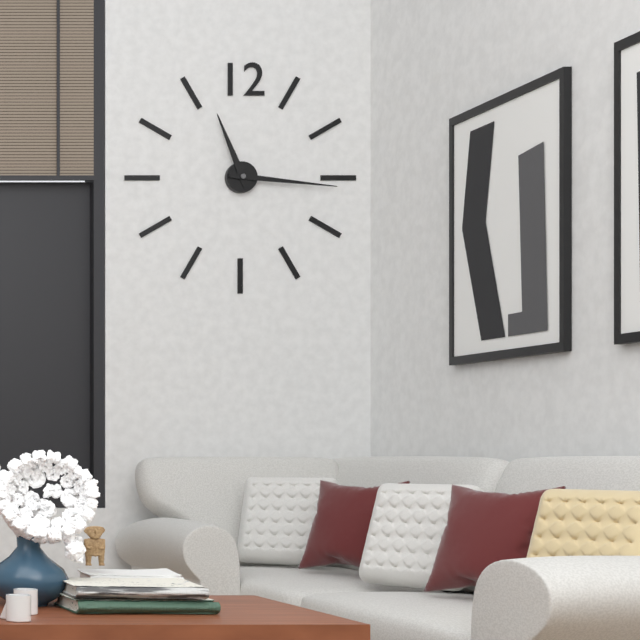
11h16
